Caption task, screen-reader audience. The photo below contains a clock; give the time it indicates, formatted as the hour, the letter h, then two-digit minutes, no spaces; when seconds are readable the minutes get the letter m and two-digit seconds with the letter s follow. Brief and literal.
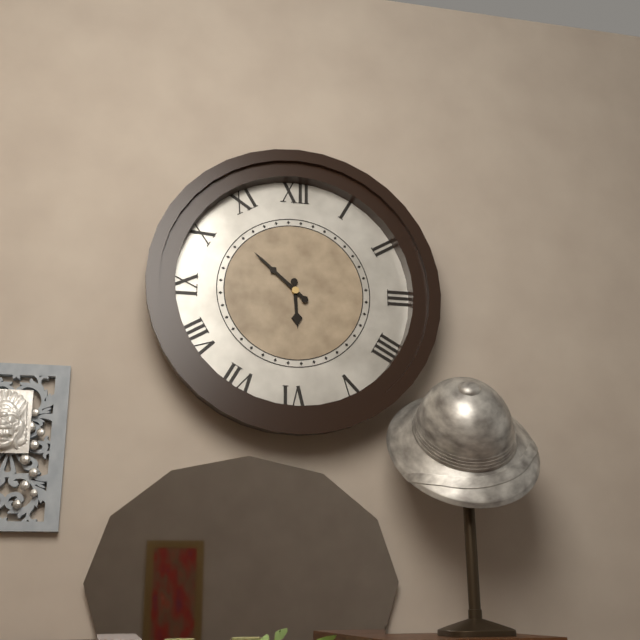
5h52
